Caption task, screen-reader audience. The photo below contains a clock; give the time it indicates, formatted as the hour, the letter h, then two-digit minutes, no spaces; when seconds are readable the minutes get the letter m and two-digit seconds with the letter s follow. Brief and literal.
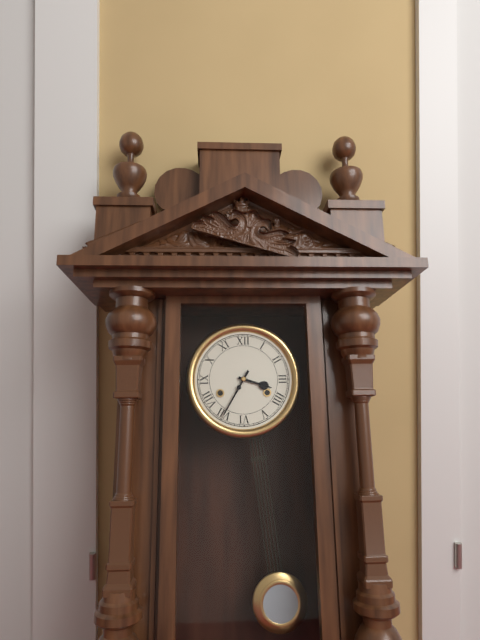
3h35
